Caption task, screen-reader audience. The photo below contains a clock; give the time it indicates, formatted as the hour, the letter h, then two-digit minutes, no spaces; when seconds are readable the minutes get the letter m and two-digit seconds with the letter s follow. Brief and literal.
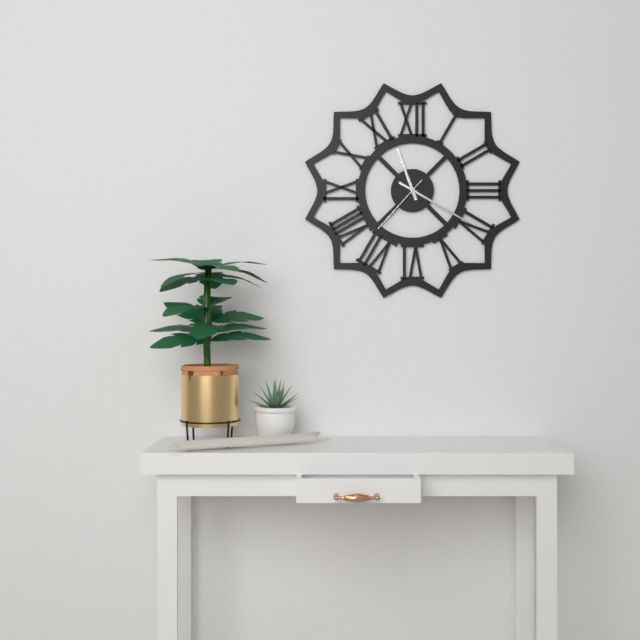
11h20m37s
